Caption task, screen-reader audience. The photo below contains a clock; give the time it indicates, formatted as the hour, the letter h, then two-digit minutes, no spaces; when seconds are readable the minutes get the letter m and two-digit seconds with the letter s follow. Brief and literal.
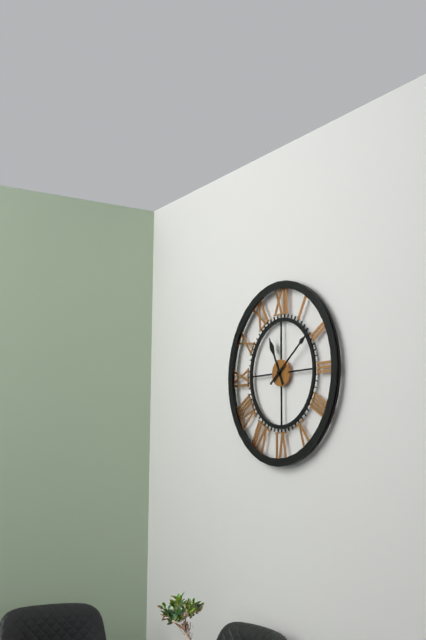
11h09
